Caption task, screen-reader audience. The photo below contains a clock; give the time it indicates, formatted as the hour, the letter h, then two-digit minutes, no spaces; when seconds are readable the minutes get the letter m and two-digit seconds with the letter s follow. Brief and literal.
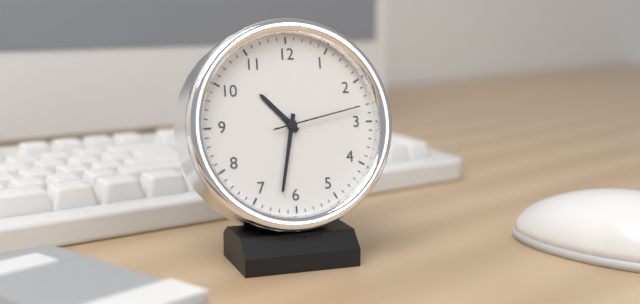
10h32m13s
